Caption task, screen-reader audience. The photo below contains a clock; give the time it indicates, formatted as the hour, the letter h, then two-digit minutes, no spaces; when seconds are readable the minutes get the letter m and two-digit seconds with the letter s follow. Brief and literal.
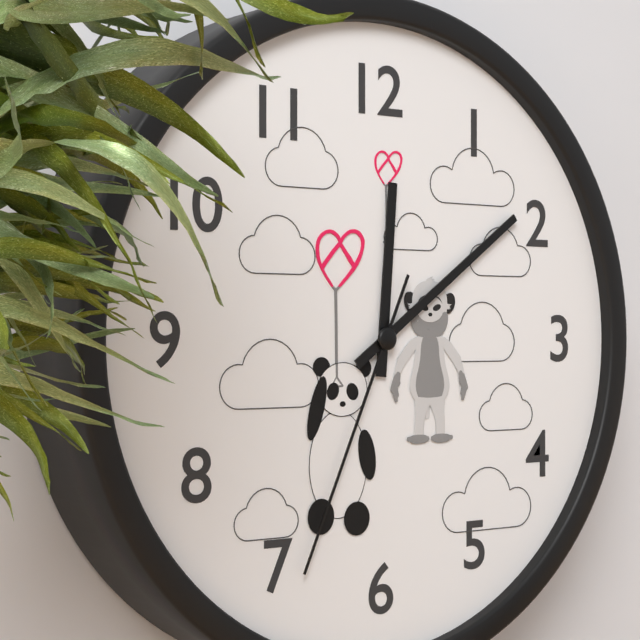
12h09m34s
